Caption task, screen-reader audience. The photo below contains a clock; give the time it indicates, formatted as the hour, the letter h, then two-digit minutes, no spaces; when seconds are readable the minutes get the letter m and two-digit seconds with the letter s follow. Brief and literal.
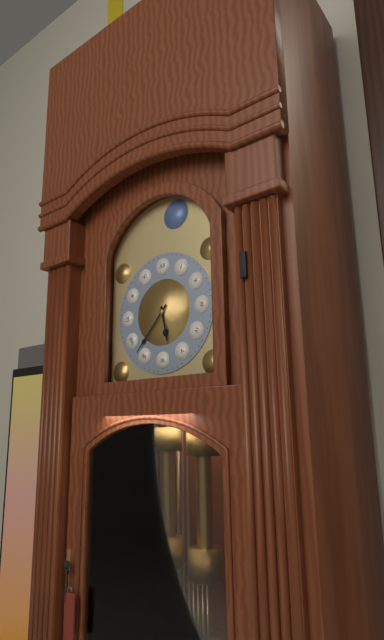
5h37
